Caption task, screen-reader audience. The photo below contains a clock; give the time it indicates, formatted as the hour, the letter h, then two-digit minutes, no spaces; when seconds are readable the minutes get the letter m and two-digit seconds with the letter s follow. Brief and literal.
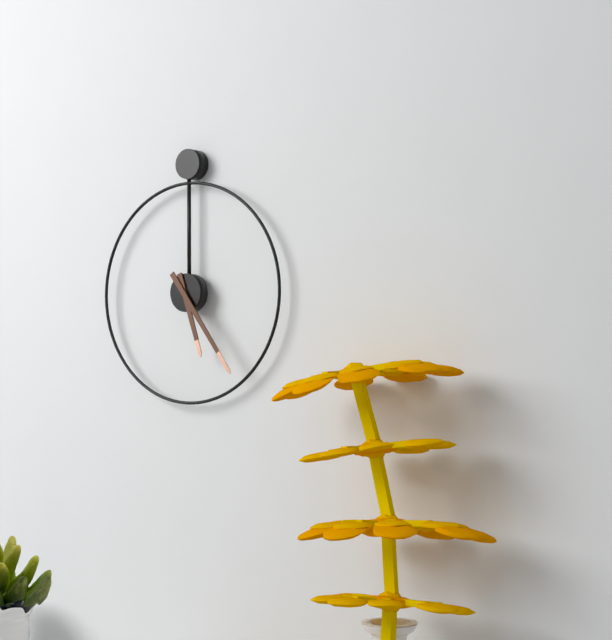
5h24
